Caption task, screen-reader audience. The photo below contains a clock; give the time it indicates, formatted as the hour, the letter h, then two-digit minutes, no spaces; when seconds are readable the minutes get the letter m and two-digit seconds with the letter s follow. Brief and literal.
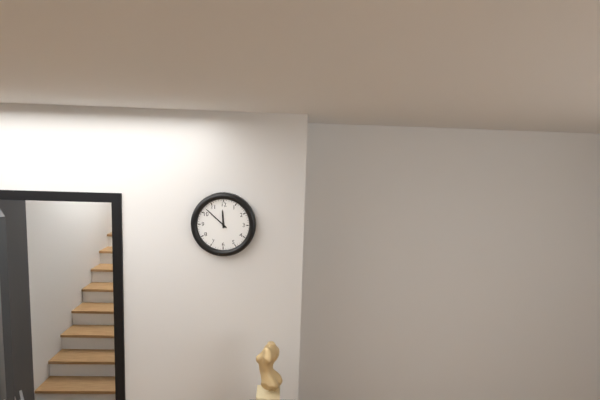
11h52
